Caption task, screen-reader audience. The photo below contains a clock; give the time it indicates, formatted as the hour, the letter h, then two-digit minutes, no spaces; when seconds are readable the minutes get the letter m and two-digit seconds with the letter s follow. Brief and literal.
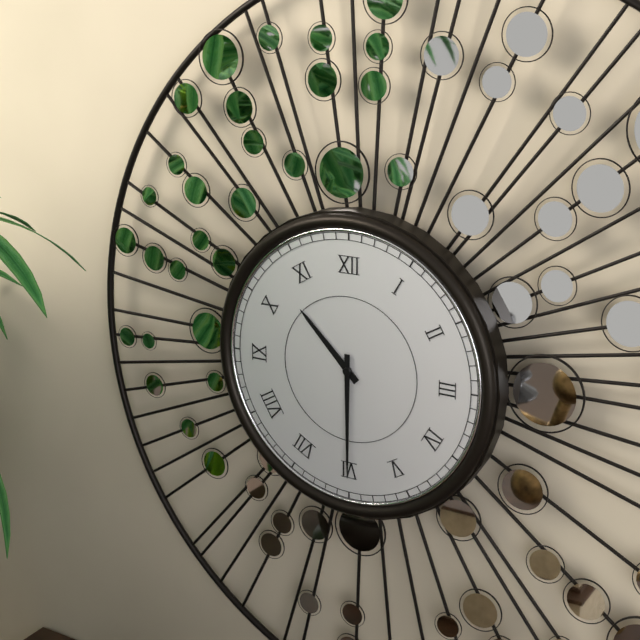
10h30
